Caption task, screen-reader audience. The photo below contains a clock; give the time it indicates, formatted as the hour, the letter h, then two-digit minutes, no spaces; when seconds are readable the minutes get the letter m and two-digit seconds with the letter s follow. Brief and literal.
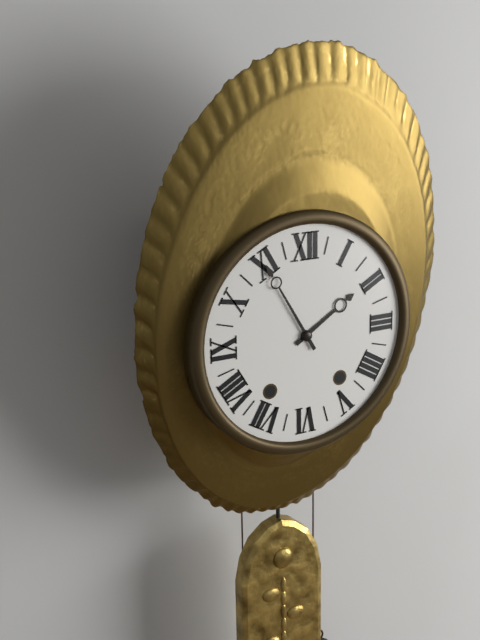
1h55
